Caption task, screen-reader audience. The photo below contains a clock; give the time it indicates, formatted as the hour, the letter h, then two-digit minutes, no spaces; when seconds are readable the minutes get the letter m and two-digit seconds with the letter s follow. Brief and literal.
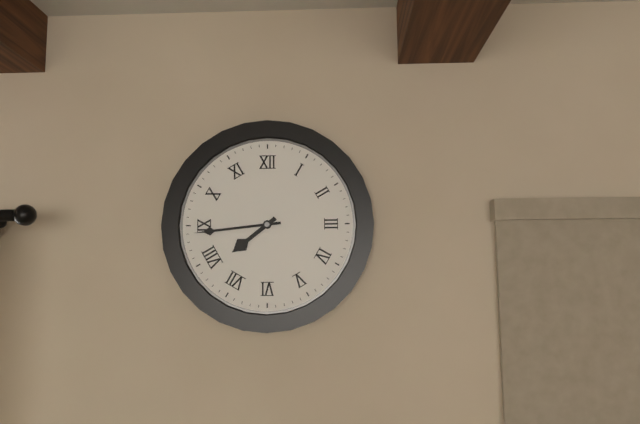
7h44
